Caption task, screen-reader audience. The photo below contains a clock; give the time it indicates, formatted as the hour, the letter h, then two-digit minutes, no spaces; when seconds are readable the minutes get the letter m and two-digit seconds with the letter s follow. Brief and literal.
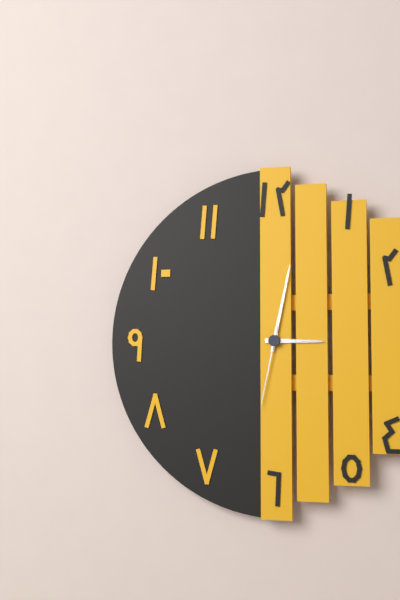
3h02m32s
